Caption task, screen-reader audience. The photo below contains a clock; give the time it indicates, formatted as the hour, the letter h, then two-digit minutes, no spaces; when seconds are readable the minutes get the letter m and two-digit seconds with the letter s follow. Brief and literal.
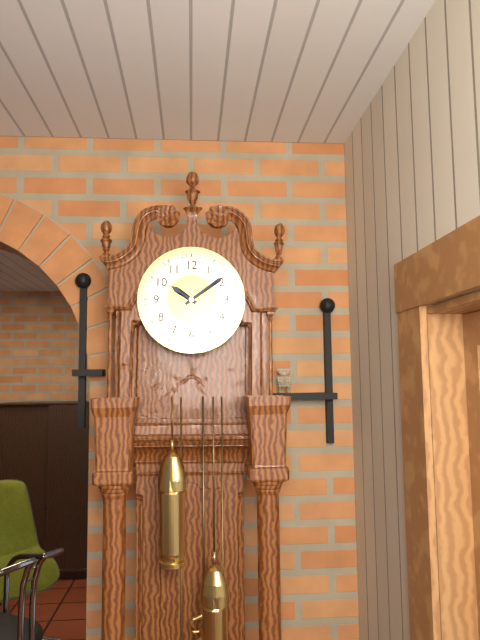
10h09
